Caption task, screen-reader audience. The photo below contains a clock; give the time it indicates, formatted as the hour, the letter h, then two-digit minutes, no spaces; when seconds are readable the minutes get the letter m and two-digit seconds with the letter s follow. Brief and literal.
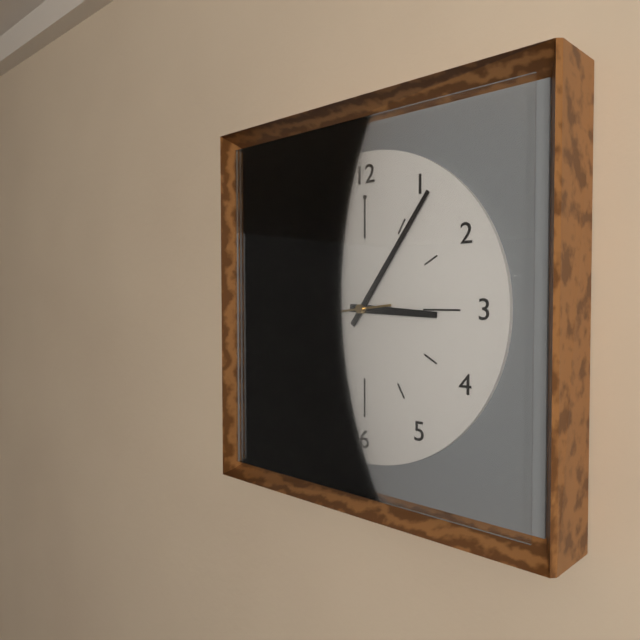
3h06m44s
